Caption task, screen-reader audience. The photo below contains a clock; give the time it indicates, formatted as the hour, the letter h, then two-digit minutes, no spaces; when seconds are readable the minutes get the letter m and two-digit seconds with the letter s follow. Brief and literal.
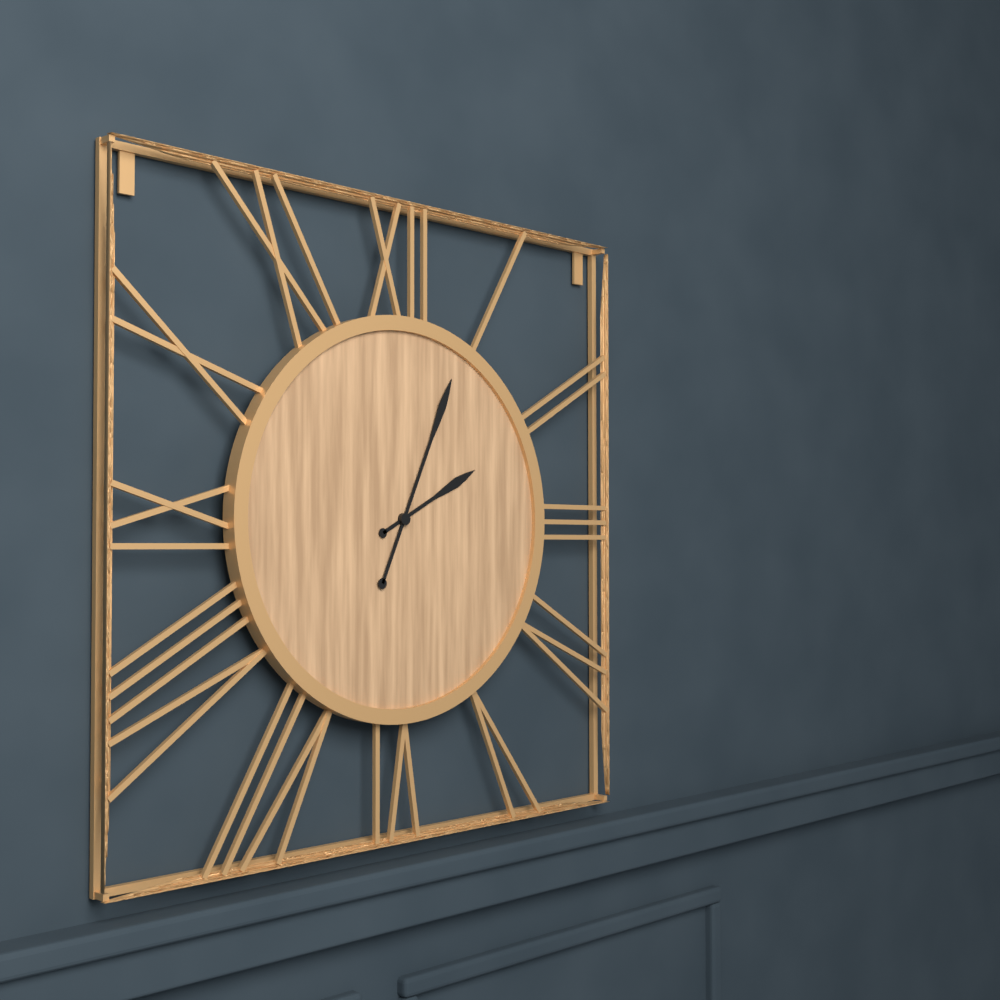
2h04
